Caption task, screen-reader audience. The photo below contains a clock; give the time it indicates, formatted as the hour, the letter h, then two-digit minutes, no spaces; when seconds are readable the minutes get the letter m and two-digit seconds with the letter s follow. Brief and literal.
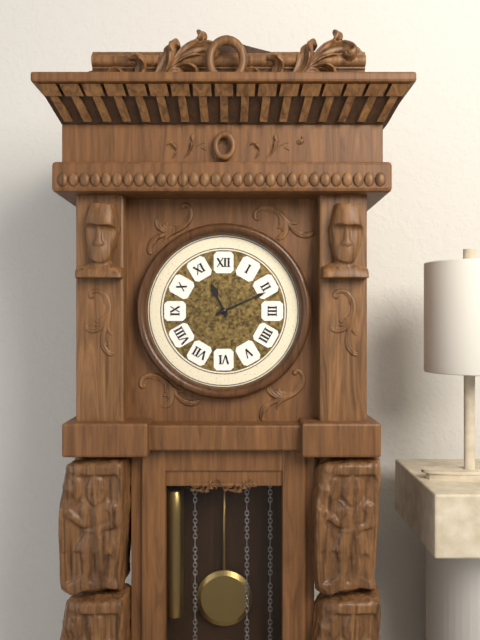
11h11
